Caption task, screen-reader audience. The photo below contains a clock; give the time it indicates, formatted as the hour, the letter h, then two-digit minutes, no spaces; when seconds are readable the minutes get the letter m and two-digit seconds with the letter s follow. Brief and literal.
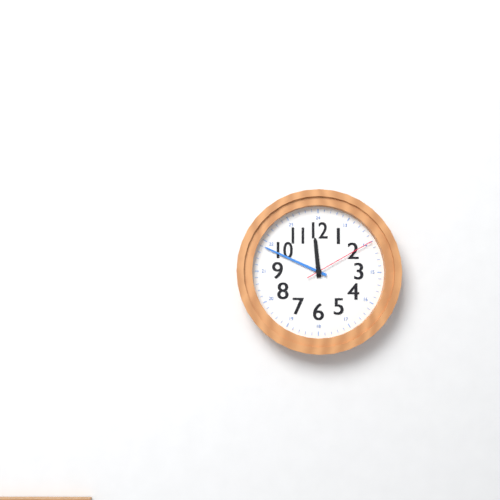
11h49m10s
